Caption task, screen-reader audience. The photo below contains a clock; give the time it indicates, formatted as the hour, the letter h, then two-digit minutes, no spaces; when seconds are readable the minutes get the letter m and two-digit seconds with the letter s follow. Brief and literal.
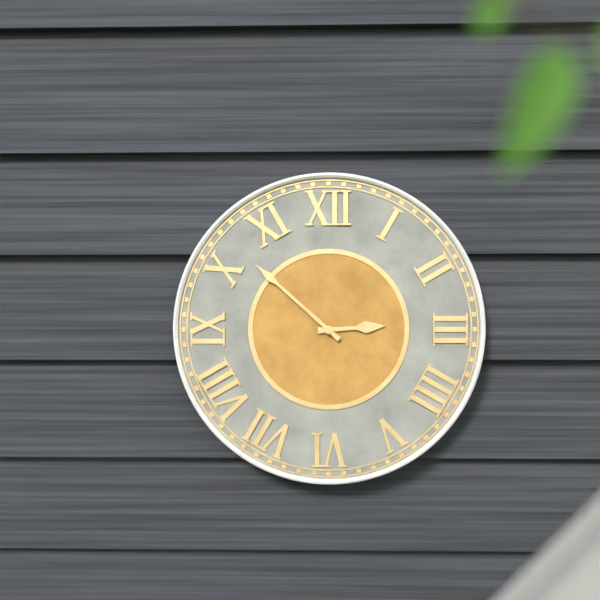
2h52
